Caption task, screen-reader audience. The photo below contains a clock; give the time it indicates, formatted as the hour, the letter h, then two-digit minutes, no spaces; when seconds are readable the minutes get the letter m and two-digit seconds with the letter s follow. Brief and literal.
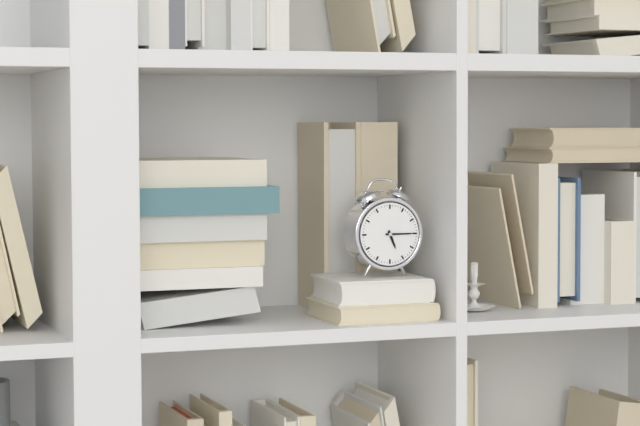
5h15
